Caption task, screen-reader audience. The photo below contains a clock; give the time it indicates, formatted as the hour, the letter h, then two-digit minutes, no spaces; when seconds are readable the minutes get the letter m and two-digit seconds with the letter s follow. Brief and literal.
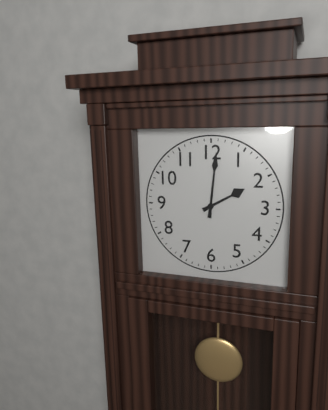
2h01
